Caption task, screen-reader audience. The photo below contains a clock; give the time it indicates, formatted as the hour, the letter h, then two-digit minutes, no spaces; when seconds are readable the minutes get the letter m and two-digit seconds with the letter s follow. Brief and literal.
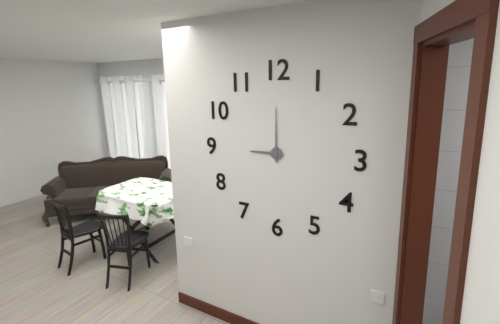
9h00
